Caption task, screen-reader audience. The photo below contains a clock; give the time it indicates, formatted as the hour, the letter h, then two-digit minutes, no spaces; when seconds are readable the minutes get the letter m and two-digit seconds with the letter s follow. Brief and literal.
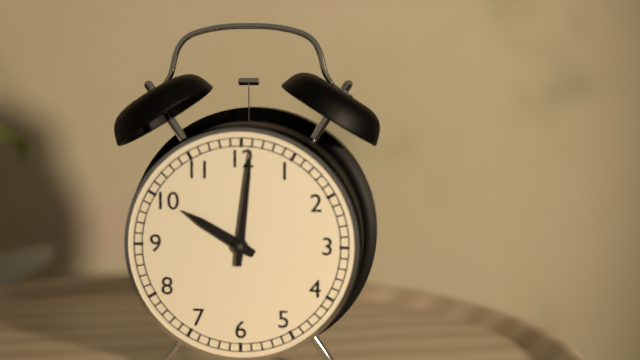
10h01
